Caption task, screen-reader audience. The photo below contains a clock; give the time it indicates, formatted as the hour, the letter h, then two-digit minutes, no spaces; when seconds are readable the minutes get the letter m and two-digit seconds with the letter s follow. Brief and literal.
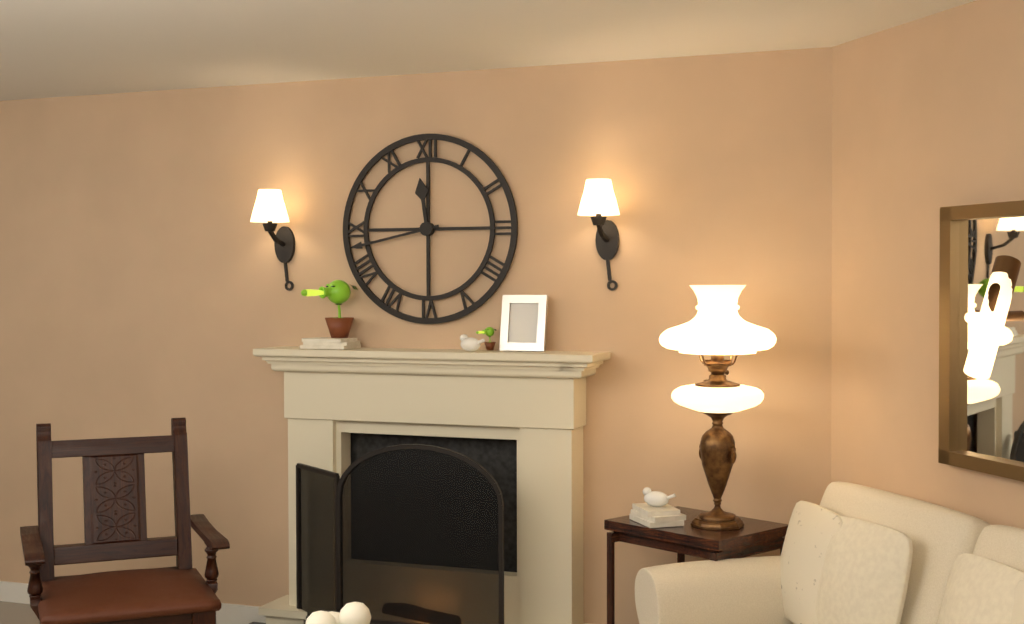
11h43
